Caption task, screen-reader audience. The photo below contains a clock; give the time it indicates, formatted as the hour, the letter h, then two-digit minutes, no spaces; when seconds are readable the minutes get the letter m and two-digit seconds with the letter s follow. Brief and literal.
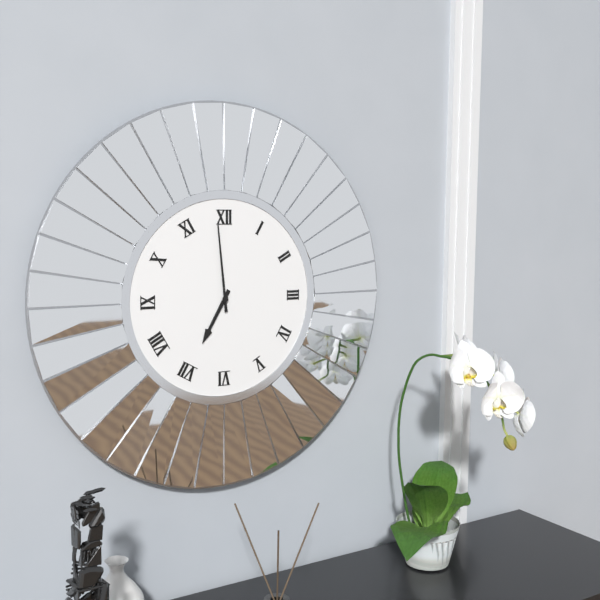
6h59
